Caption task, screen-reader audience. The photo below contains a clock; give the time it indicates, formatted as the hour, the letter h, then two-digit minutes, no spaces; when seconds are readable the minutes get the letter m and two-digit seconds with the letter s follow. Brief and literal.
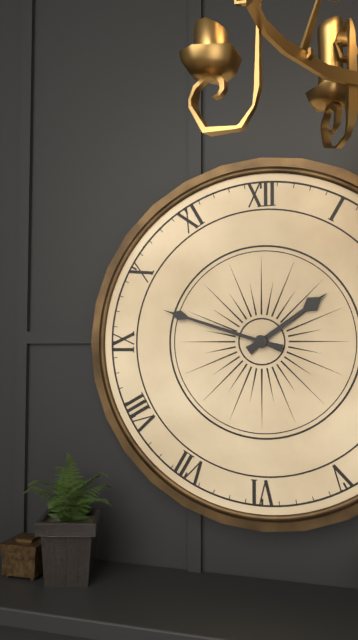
1h48
